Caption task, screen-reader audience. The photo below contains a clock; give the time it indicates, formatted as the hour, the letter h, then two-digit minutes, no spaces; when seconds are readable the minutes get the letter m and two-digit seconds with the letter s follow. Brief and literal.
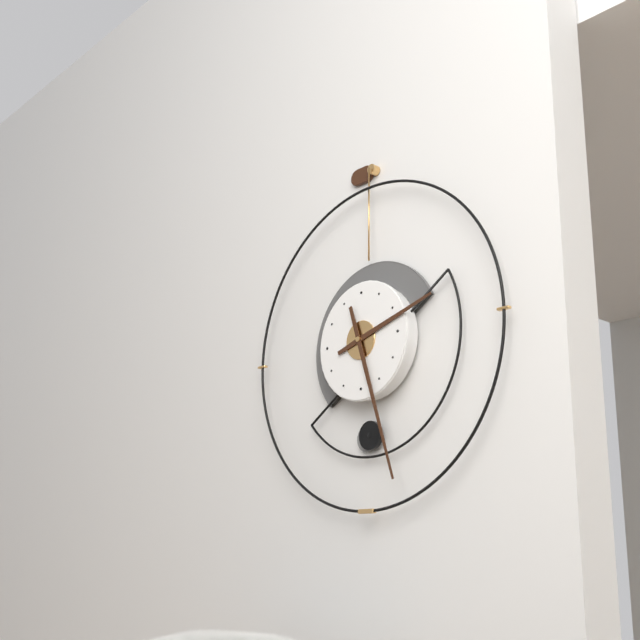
2h27
